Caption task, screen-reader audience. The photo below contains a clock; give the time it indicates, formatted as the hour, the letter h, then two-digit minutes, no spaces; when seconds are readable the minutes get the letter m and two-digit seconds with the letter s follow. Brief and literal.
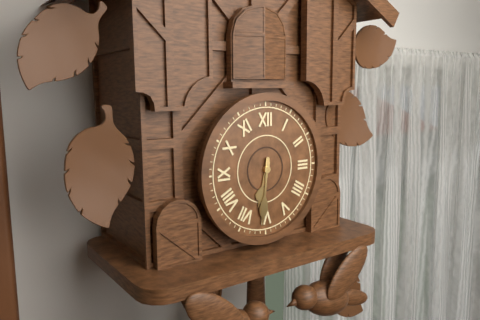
6h31
